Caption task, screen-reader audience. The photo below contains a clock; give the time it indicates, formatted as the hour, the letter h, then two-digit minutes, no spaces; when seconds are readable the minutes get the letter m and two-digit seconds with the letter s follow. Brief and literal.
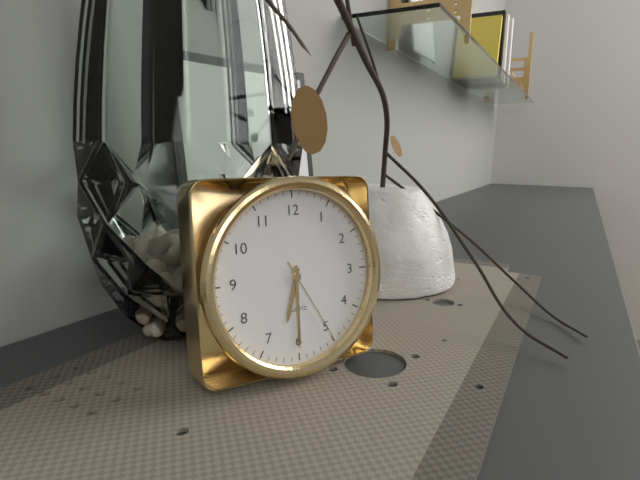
6h30m25s
